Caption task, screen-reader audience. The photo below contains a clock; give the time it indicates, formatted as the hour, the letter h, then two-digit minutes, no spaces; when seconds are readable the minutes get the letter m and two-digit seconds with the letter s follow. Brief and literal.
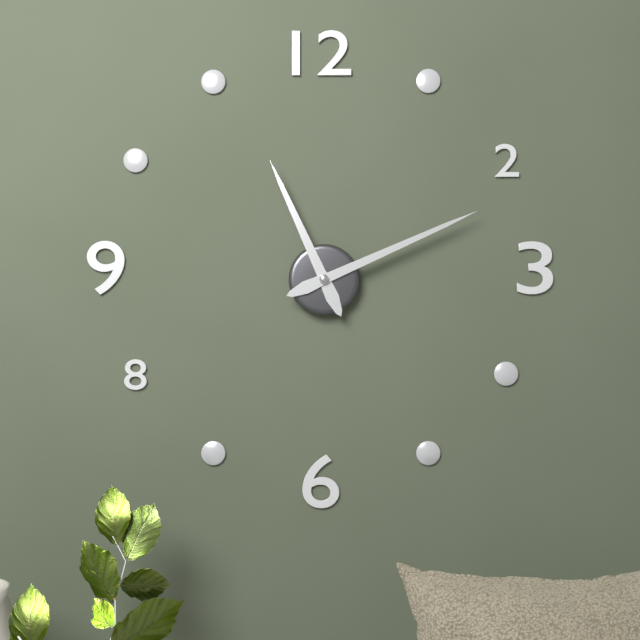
11h11
